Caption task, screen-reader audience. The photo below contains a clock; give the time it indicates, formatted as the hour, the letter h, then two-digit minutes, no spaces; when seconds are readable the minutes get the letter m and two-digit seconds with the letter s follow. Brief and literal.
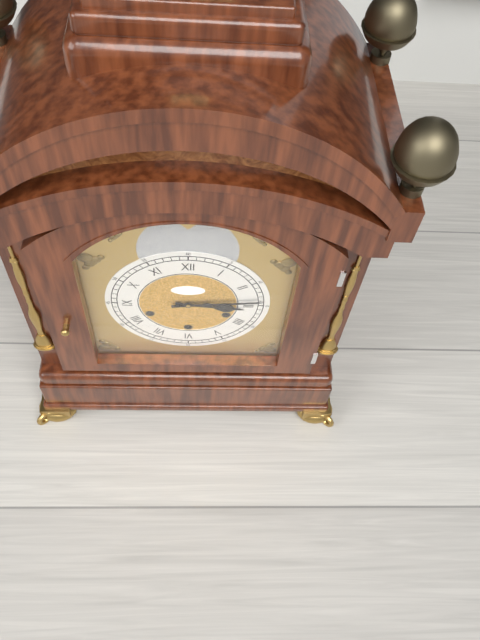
3h14
